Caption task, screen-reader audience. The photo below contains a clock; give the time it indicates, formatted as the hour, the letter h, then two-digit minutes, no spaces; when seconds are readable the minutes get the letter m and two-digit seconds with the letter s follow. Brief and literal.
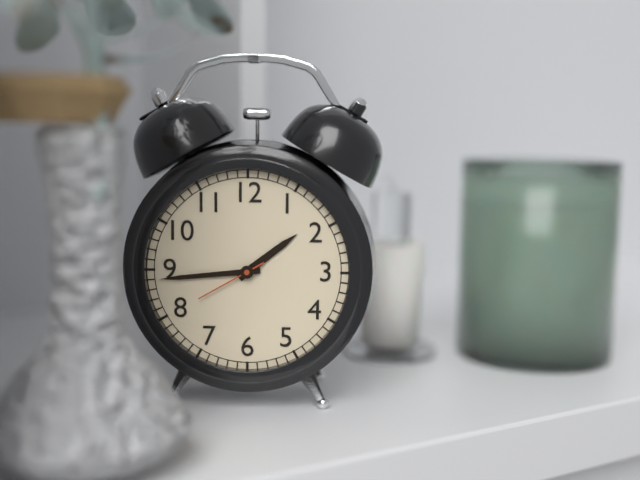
1h44m40s
